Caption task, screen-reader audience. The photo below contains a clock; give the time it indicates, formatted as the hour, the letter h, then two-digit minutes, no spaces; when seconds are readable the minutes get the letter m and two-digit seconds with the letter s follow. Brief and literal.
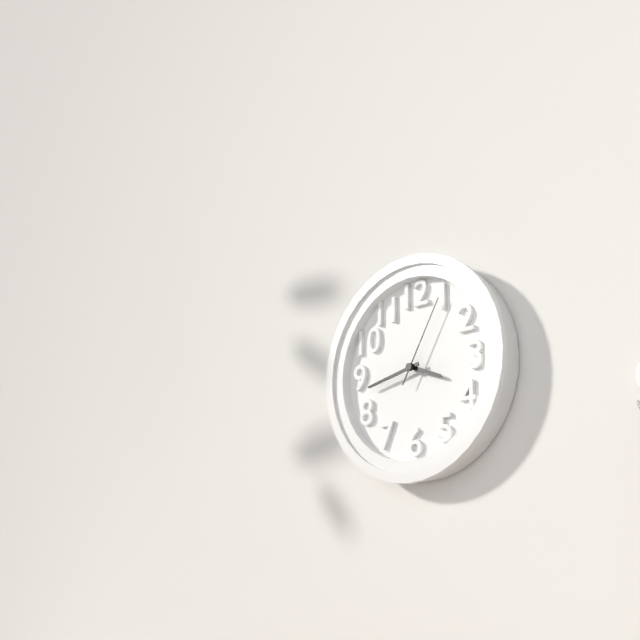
3h43m05s
